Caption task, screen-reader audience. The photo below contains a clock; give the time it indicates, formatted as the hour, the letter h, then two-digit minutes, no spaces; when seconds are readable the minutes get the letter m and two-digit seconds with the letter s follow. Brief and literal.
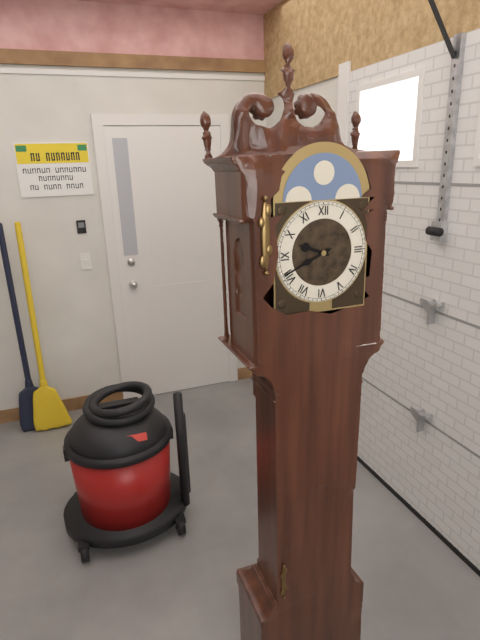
9h41
